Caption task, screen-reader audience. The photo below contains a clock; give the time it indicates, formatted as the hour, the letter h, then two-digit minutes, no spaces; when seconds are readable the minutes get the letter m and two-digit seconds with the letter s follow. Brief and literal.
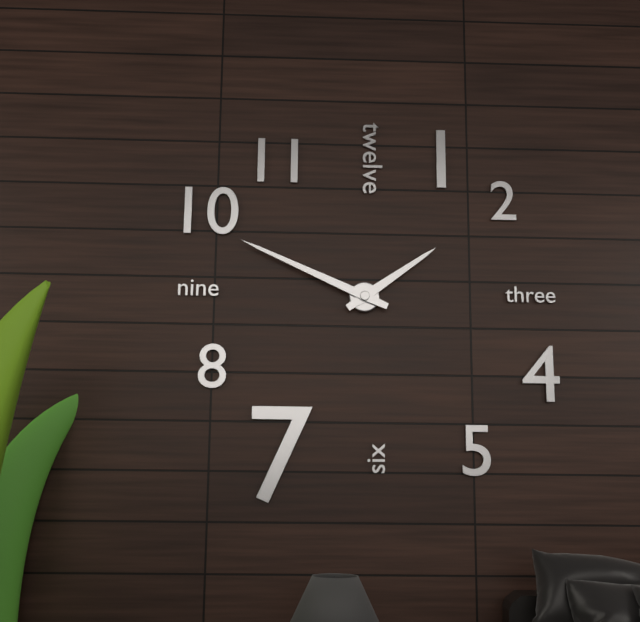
1h49
